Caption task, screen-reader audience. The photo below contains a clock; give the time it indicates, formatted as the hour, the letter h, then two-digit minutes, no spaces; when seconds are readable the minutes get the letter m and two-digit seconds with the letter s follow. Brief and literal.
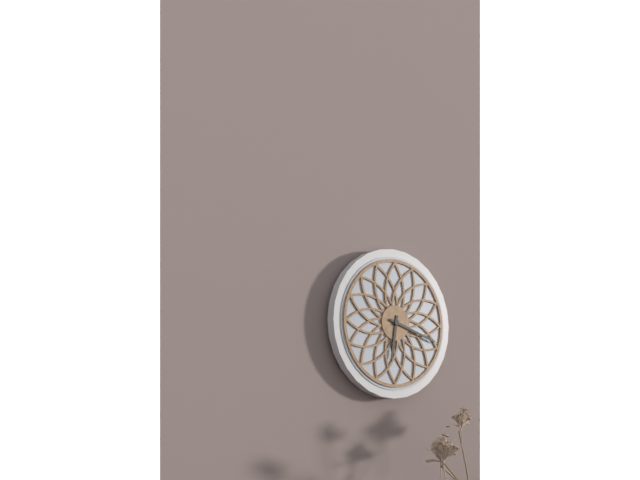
6h18
